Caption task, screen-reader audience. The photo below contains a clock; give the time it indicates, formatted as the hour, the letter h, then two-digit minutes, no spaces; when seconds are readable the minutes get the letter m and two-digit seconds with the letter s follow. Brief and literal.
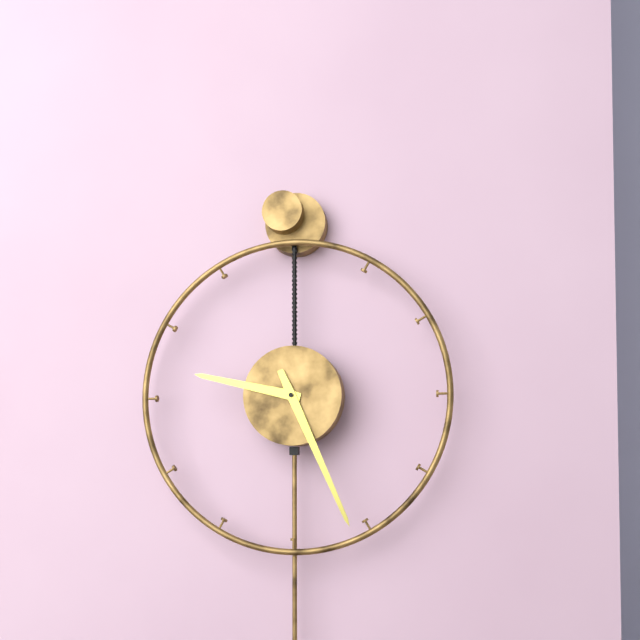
9h26
